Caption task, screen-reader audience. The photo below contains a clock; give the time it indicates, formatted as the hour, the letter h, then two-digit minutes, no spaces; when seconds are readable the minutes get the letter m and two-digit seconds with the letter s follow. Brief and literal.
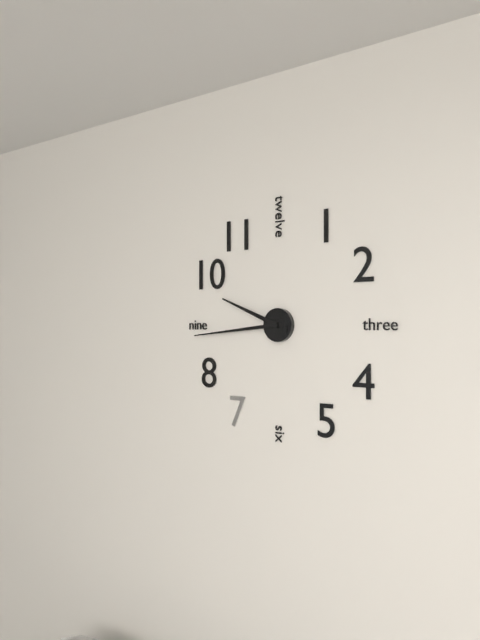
9h44
